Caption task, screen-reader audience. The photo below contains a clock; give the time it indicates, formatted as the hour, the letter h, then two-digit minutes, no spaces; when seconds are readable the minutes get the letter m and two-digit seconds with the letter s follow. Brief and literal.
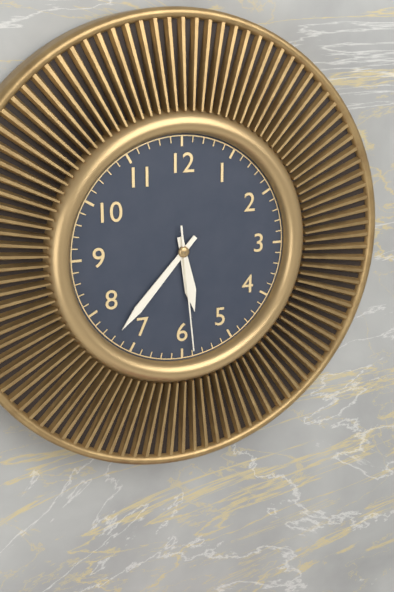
5h37m29s
